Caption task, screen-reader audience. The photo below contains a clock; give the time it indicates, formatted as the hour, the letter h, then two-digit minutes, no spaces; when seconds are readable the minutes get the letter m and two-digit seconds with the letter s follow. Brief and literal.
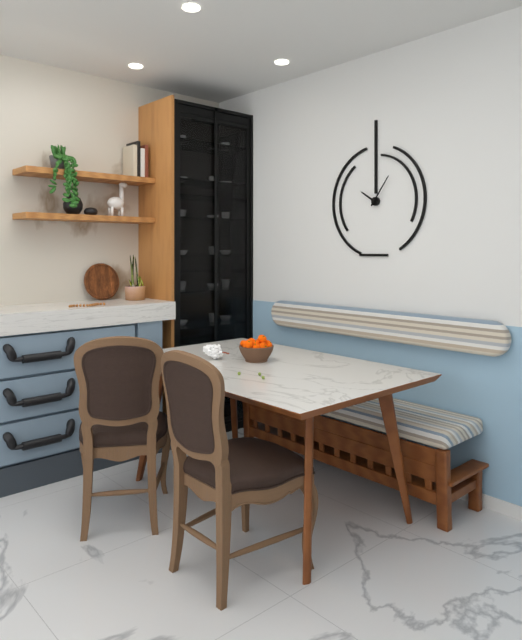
10h06
